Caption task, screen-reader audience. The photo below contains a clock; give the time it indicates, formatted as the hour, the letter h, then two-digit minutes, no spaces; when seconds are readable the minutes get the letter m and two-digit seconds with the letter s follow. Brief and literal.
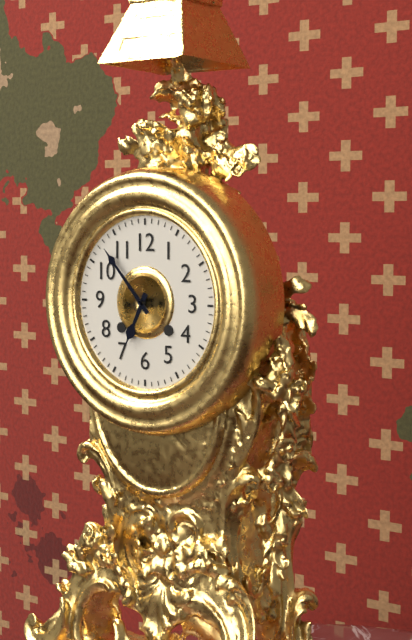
6h53
